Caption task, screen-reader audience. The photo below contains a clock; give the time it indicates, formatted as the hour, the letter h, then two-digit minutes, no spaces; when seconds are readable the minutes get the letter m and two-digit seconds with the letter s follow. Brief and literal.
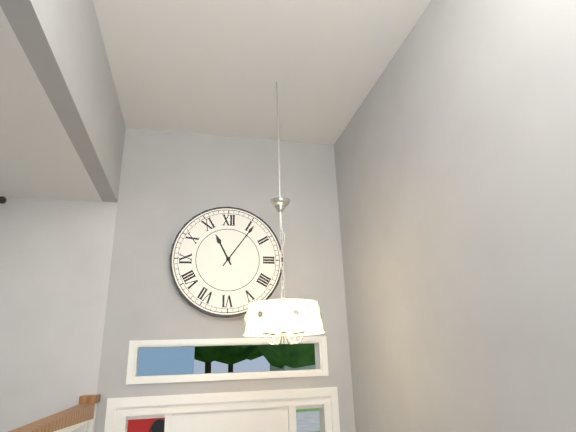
11h06
